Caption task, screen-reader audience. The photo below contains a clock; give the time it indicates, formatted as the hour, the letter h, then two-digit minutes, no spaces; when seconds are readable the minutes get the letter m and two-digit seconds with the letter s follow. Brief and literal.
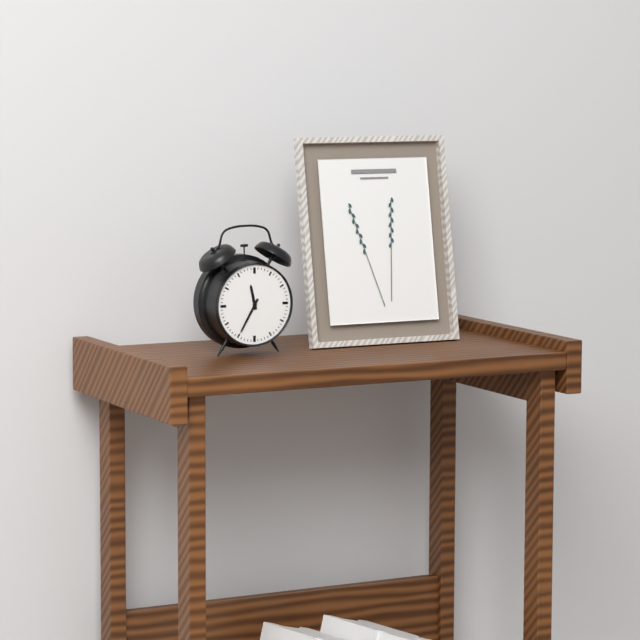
11h35
